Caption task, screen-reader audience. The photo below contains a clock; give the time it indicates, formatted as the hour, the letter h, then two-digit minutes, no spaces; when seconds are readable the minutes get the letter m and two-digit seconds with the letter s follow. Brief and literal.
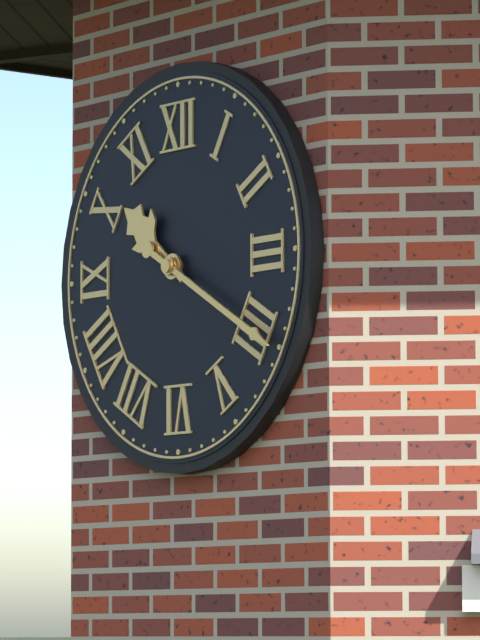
10h20
